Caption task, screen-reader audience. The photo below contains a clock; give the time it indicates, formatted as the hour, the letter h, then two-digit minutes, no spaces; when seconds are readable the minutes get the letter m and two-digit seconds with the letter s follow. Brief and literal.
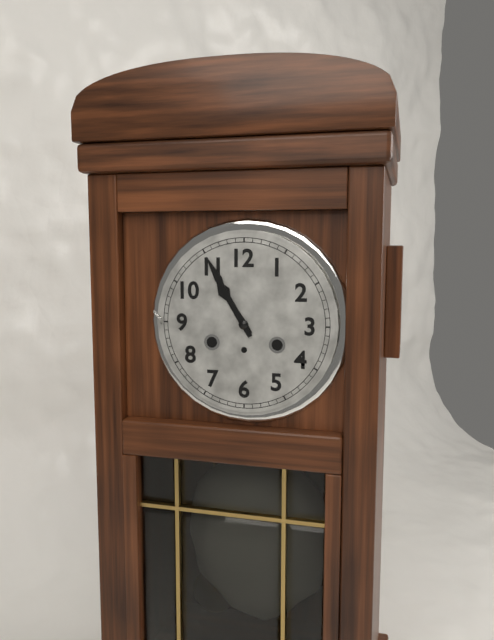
10h55
